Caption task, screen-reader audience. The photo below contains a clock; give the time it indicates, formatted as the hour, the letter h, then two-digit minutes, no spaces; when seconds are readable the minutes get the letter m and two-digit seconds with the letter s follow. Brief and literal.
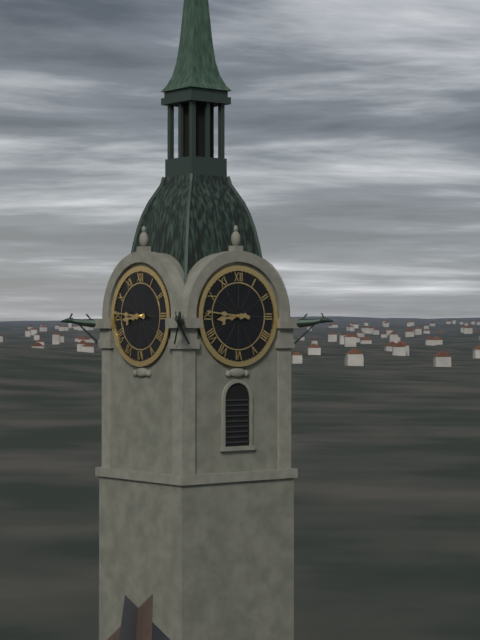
8h46
